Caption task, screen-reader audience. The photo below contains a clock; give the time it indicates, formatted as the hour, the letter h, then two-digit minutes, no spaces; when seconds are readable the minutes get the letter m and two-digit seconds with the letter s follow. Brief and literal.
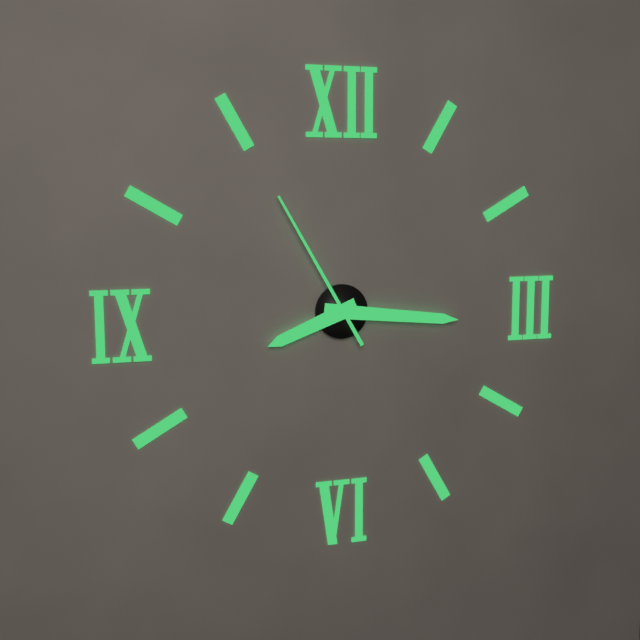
8h16m55s
